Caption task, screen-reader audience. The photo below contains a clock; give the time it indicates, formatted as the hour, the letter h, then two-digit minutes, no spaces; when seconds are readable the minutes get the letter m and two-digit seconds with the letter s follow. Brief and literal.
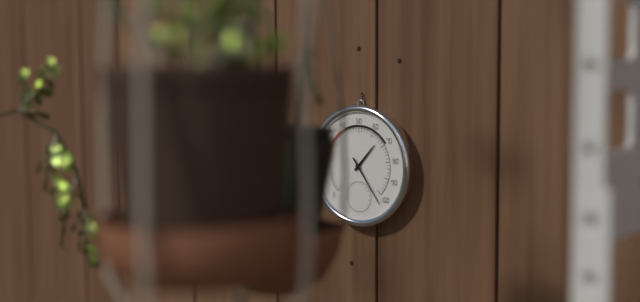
1h24
